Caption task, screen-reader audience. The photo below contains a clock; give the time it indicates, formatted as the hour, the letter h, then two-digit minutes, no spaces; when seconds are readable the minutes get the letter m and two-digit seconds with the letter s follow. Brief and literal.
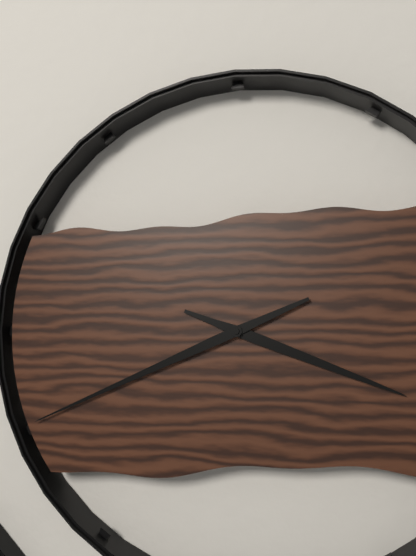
3h41
